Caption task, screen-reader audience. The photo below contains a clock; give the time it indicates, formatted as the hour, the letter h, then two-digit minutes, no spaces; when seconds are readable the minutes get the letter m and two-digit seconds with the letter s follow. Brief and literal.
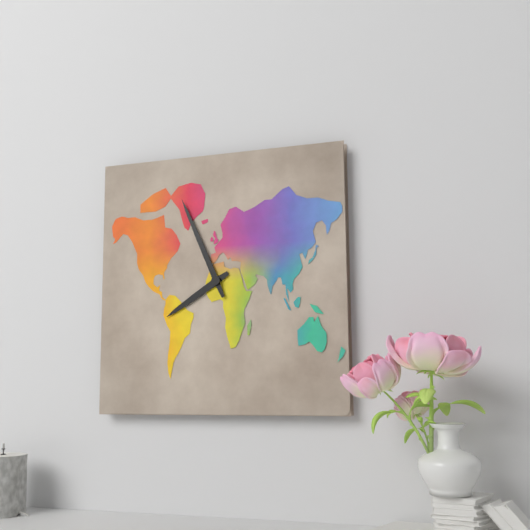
7h56
